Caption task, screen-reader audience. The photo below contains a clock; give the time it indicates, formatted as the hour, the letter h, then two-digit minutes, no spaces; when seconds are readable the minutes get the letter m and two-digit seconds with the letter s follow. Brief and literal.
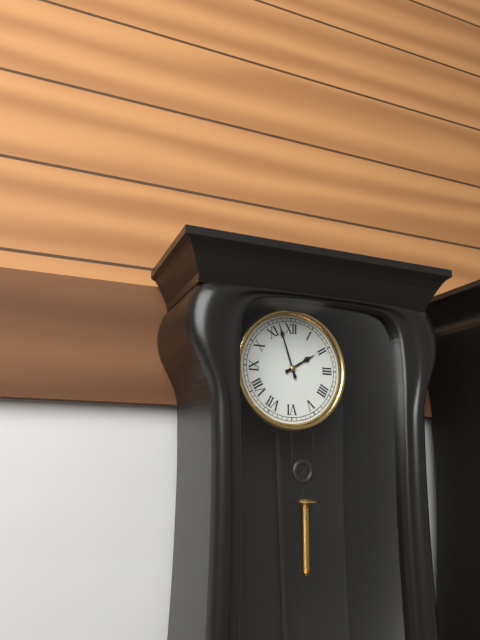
1h57
